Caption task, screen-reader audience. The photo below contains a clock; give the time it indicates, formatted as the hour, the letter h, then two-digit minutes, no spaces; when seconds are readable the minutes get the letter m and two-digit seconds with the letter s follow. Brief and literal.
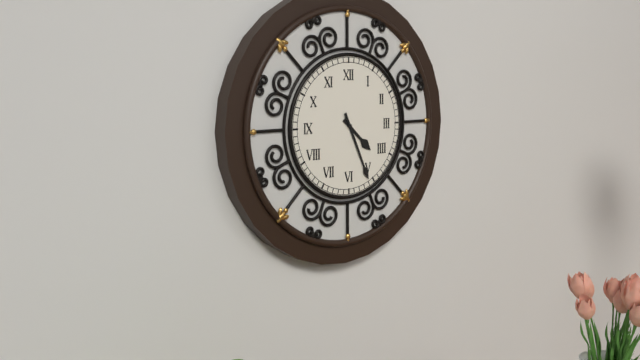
4h26
